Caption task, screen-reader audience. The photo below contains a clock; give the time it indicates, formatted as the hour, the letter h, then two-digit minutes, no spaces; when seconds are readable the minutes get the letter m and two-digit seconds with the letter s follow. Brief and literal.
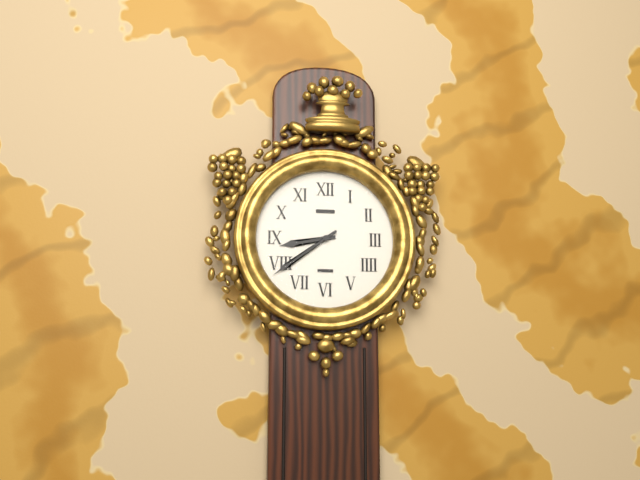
8h39
